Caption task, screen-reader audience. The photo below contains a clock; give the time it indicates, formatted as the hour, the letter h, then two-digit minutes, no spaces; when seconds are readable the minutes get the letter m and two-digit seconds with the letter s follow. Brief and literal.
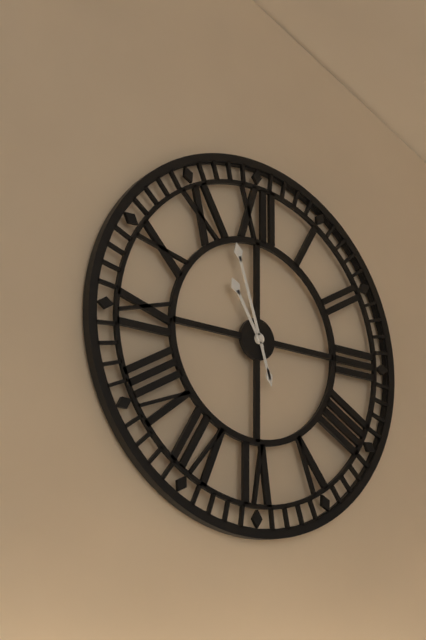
10h57
